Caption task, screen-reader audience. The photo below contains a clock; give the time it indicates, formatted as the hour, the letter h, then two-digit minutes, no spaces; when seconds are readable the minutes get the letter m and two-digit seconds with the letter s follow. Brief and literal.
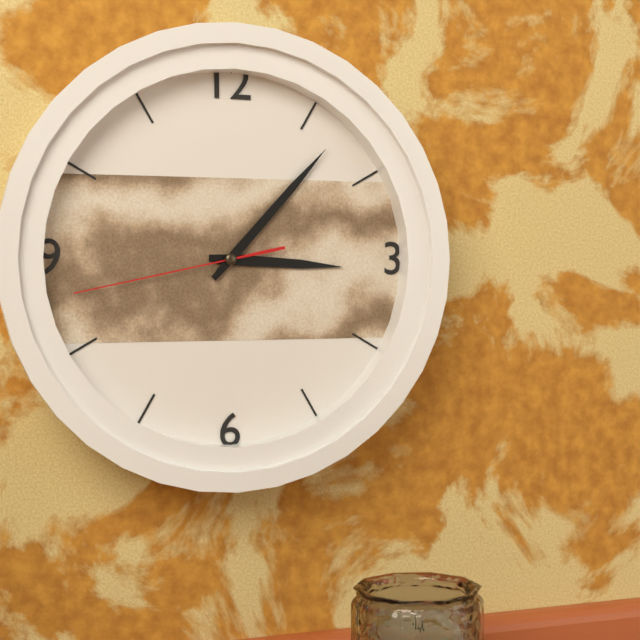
3h07m43s
